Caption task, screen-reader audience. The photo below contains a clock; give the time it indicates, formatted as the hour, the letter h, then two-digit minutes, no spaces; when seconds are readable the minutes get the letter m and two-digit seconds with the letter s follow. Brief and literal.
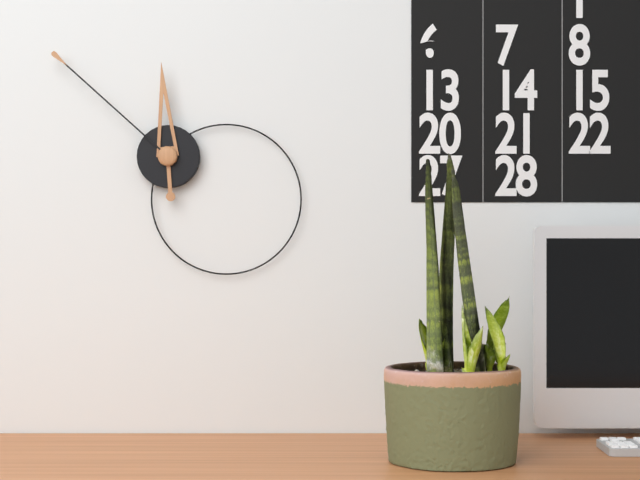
11h52
